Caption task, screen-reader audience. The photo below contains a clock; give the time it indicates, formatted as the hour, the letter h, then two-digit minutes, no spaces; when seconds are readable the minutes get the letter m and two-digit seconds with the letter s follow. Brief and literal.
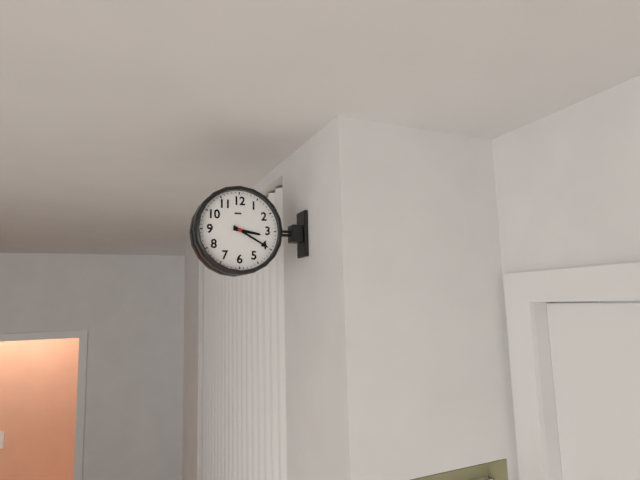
3h20
